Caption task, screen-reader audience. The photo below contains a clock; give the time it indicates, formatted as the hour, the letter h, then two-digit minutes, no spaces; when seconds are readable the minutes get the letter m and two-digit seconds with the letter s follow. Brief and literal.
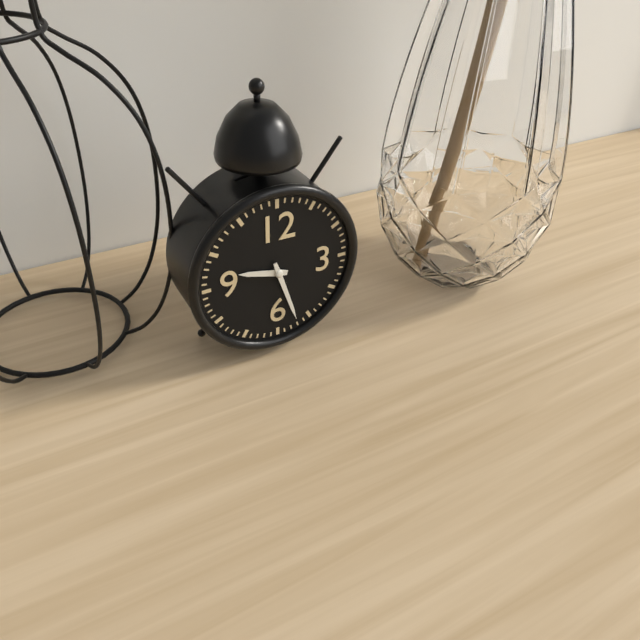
9h27
